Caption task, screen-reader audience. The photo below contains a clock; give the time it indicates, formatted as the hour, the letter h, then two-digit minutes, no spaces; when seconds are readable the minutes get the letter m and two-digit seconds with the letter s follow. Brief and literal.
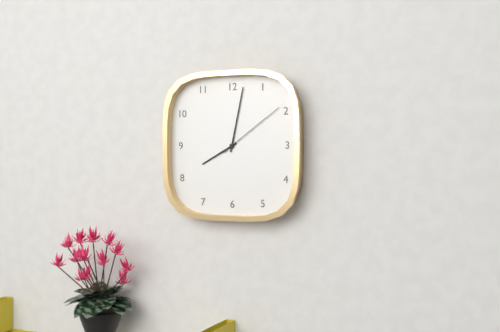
8h02m09s
